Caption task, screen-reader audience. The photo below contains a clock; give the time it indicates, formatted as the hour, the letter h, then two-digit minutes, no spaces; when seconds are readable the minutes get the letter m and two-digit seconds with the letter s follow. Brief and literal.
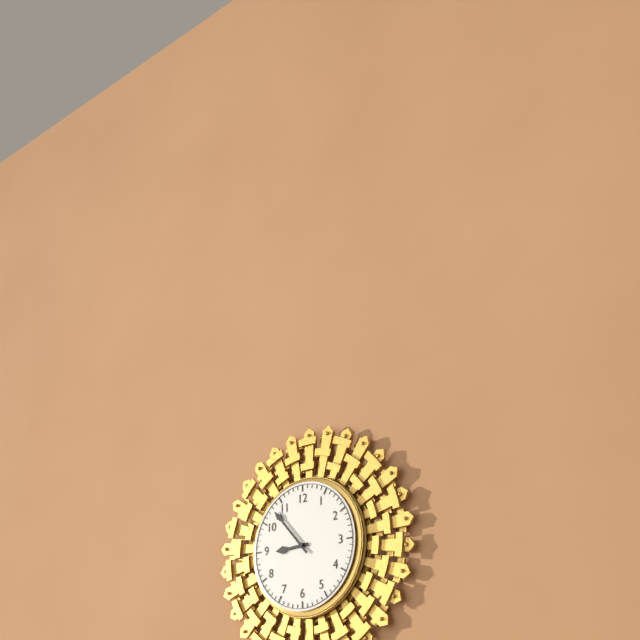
8h53
